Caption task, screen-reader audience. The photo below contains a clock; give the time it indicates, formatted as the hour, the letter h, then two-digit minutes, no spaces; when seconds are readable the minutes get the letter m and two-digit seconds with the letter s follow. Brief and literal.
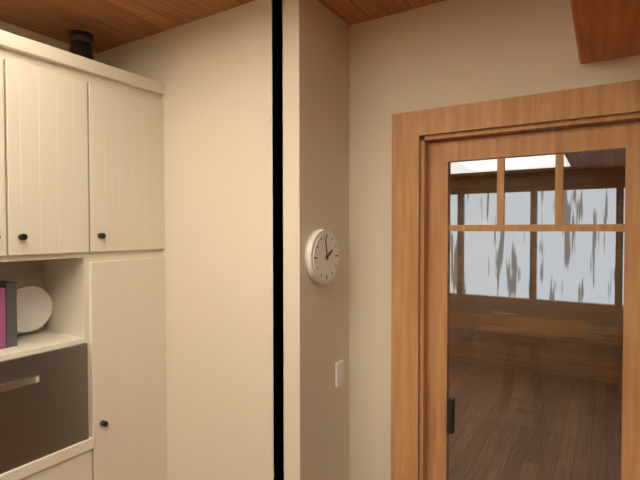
1h58
